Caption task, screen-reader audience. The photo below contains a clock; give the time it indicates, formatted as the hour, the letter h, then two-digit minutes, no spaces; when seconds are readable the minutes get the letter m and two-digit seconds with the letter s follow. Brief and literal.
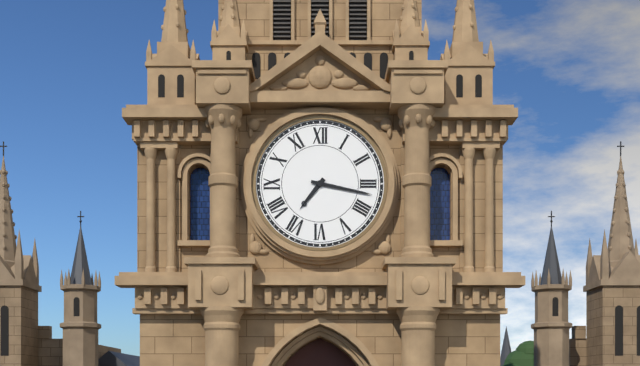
7h17
